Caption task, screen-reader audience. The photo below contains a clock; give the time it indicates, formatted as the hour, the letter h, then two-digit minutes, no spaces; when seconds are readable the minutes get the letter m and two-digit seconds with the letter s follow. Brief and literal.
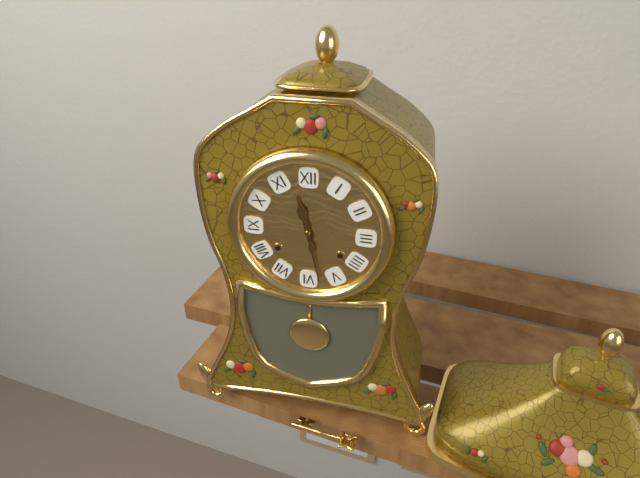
11h28
